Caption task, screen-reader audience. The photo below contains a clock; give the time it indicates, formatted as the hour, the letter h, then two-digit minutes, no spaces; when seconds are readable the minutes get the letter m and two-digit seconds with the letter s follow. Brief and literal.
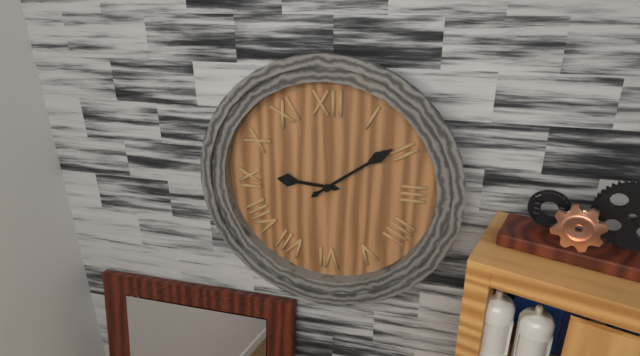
9h09
